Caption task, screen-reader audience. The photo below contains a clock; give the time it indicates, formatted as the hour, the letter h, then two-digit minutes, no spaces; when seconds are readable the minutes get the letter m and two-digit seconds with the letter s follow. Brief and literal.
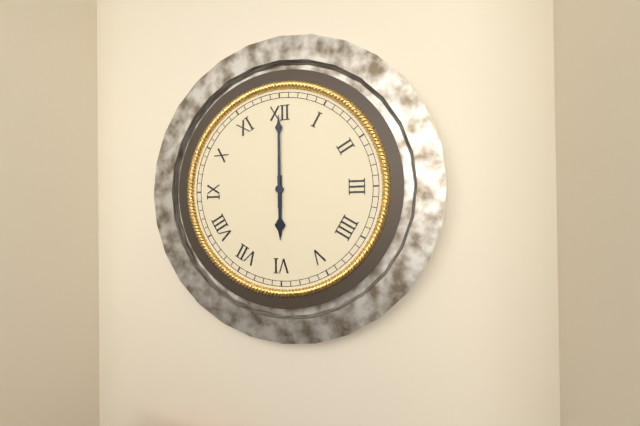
6h00
